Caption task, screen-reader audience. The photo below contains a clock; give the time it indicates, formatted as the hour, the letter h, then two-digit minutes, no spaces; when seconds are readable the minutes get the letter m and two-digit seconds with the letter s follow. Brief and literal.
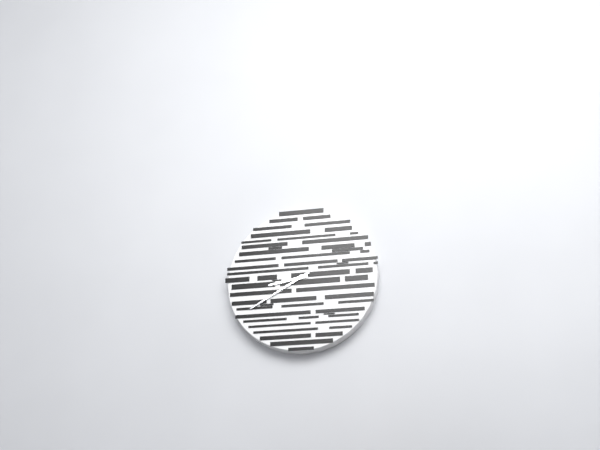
8h40
